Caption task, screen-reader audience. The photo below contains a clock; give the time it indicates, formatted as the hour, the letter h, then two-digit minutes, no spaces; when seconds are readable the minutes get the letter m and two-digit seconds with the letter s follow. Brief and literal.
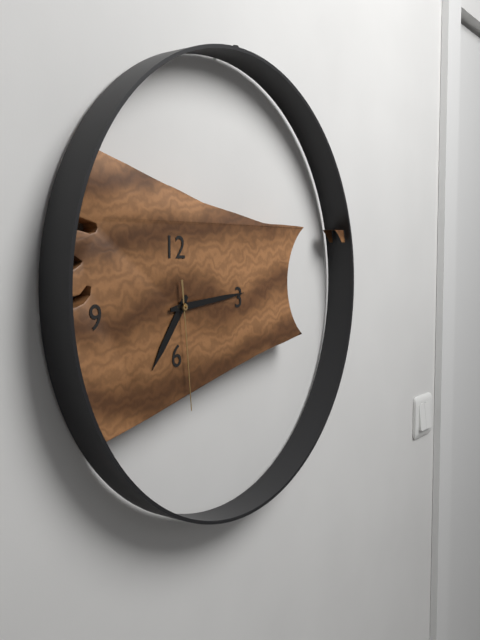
7h14m29s
